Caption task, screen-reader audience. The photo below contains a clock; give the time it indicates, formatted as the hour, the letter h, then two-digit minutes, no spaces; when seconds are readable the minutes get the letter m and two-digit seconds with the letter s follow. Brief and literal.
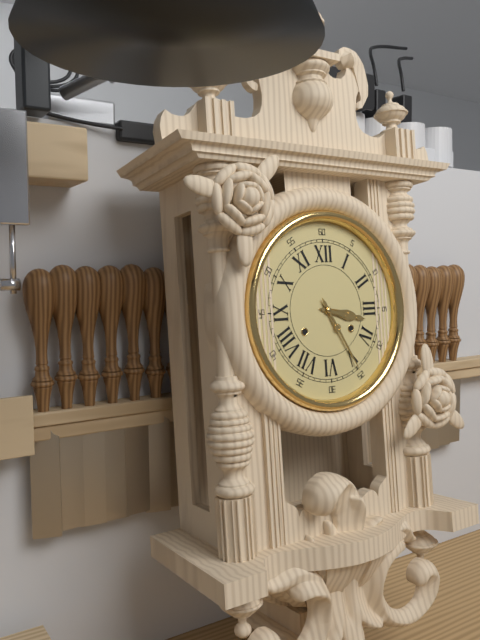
3h25
